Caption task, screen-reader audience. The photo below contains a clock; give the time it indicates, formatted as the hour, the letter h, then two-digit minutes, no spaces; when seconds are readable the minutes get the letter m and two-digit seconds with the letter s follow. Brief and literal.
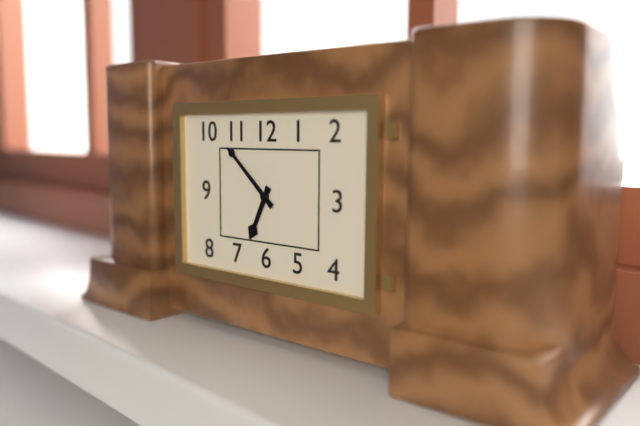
6h52
